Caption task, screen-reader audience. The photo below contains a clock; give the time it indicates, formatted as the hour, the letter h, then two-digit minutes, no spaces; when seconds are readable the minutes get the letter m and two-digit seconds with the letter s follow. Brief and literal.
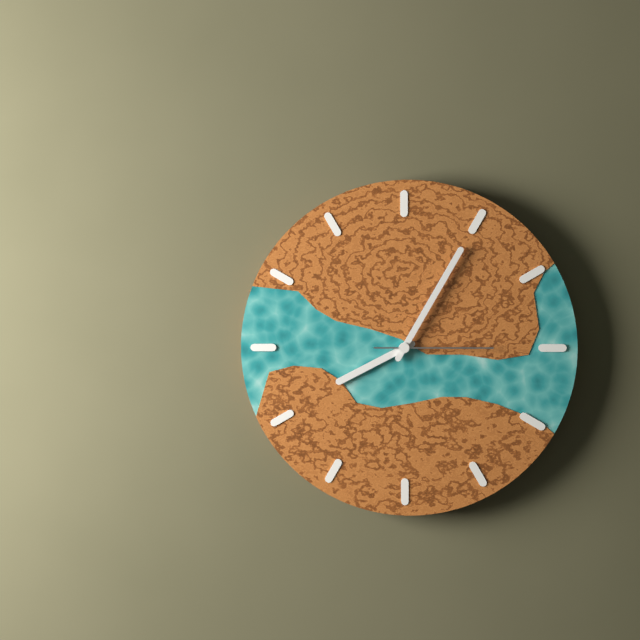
8h05m15s
